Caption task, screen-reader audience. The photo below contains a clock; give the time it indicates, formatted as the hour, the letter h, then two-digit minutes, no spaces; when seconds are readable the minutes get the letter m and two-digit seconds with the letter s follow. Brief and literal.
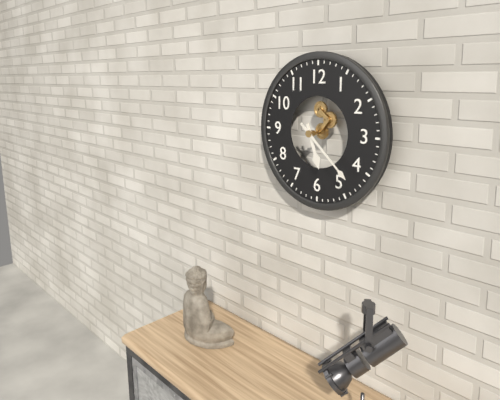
5h22
